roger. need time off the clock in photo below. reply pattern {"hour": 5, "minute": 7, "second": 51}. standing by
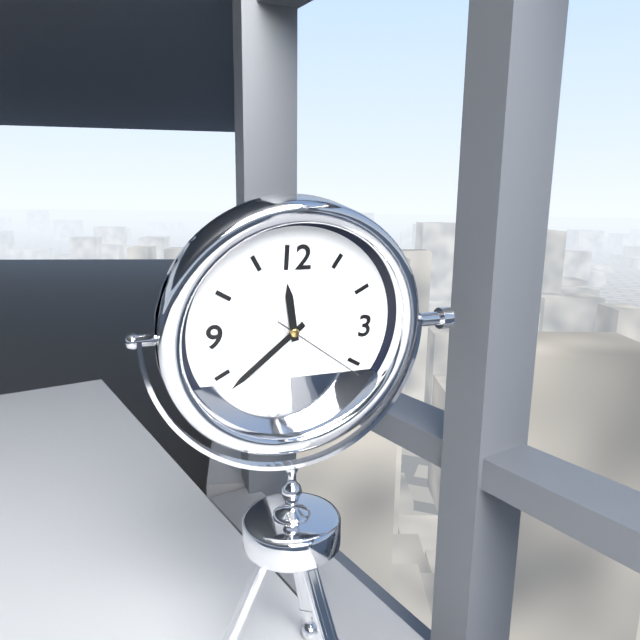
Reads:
{"hour": 11, "minute": 38, "second": 21}
